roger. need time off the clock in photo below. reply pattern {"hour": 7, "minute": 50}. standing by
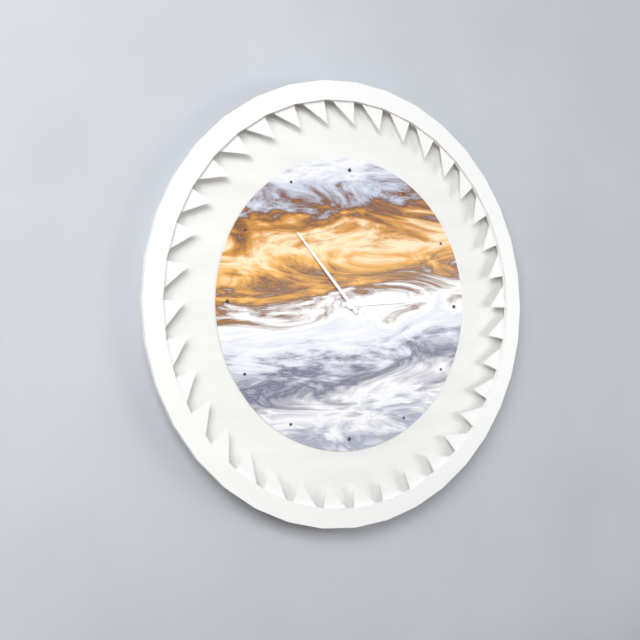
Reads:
{"hour": 2, "minute": 53}
